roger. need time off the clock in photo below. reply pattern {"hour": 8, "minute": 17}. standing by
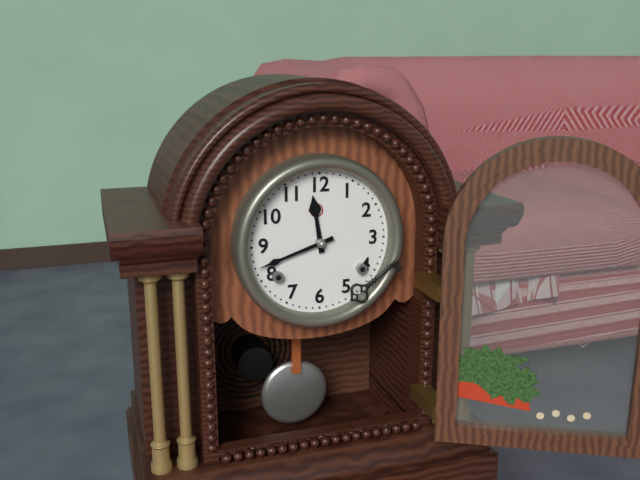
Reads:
{"hour": 11, "minute": 42}
